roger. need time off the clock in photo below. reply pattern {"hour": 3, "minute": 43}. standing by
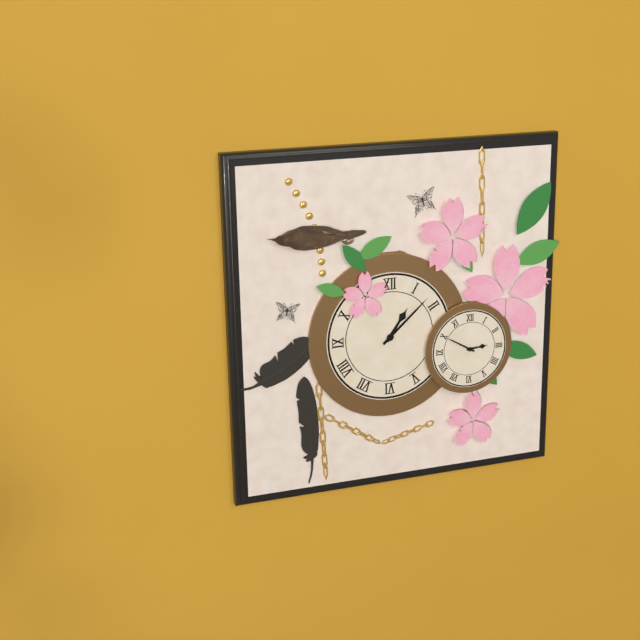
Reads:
{"hour": 1, "minute": 8}
